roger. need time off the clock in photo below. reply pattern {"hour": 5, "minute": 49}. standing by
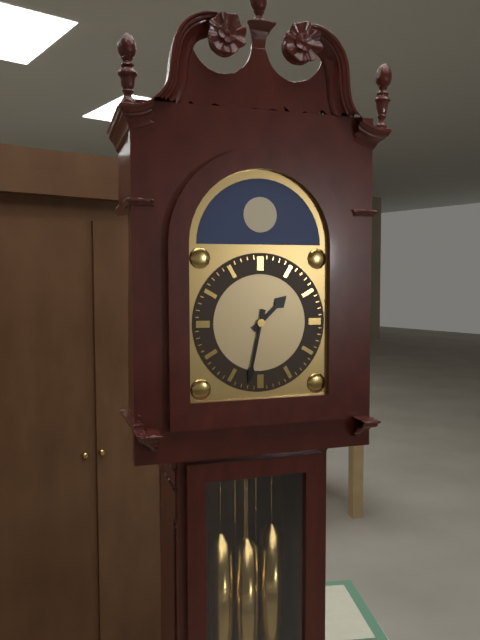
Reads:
{"hour": 1, "minute": 32}
